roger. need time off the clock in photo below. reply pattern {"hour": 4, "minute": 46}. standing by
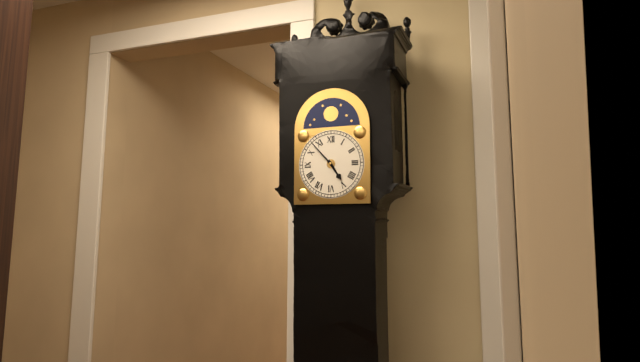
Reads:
{"hour": 4, "minute": 53}
